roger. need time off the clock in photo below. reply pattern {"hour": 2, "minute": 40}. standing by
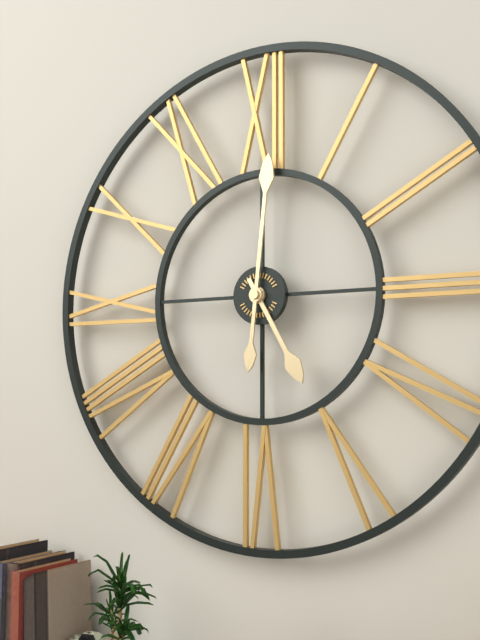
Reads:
{"hour": 5, "minute": 1}
